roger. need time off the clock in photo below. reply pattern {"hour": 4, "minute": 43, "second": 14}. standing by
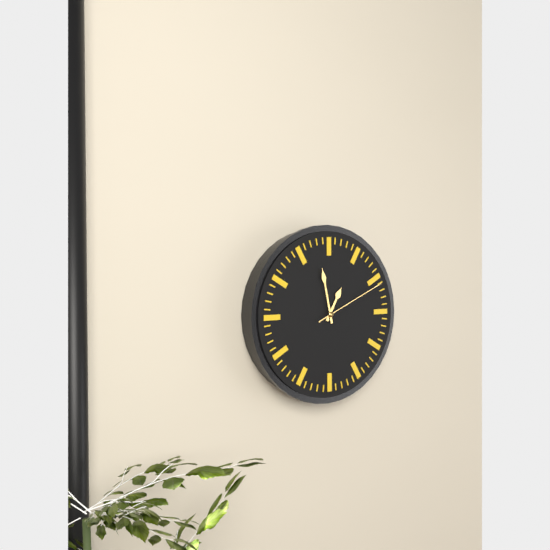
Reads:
{"hour": 12, "minute": 58, "second": 11}
